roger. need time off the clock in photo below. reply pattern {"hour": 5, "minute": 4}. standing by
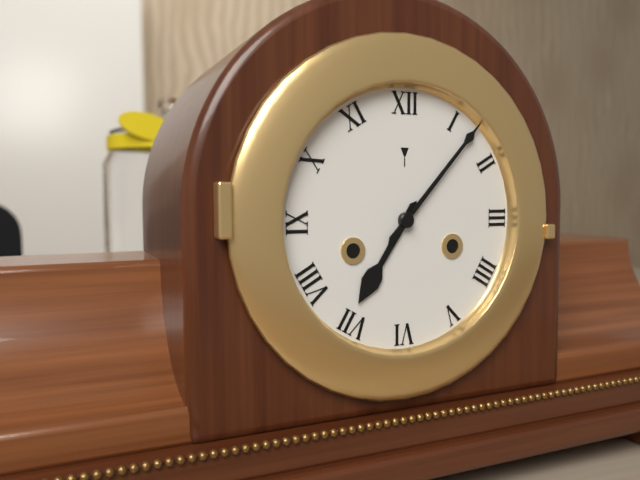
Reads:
{"hour": 7, "minute": 7}
